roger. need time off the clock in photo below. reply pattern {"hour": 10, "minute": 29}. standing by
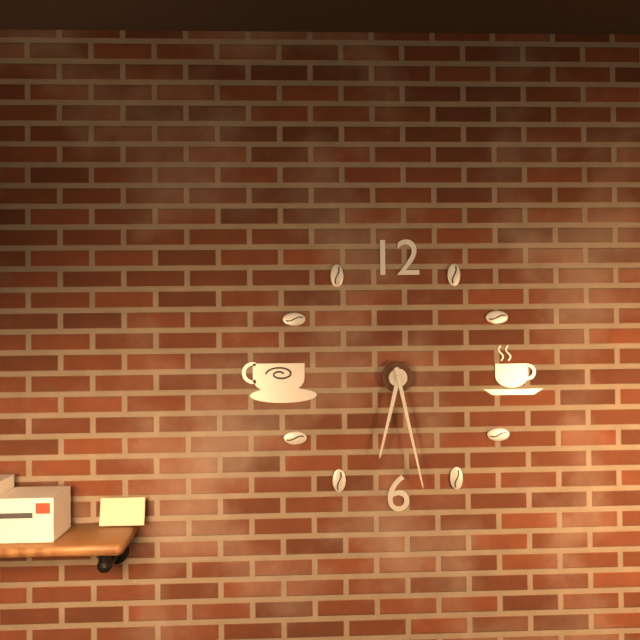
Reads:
{"hour": 6, "minute": 28}
